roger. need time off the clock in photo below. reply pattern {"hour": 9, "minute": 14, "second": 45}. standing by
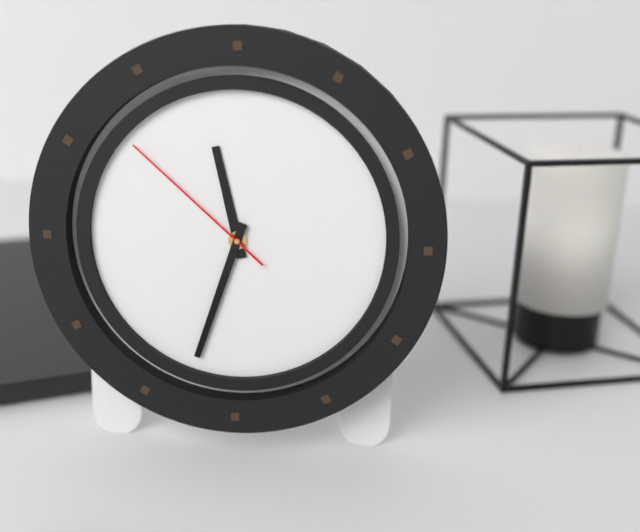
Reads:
{"hour": 11, "minute": 33, "second": 52}
